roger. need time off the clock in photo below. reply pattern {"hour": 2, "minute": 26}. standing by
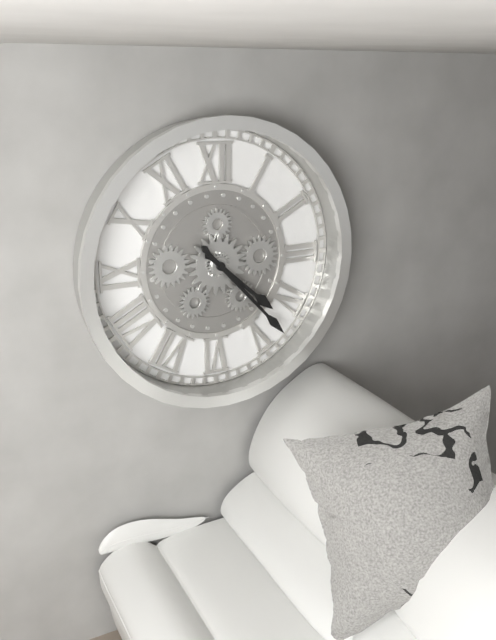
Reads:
{"hour": 4, "minute": 23}
